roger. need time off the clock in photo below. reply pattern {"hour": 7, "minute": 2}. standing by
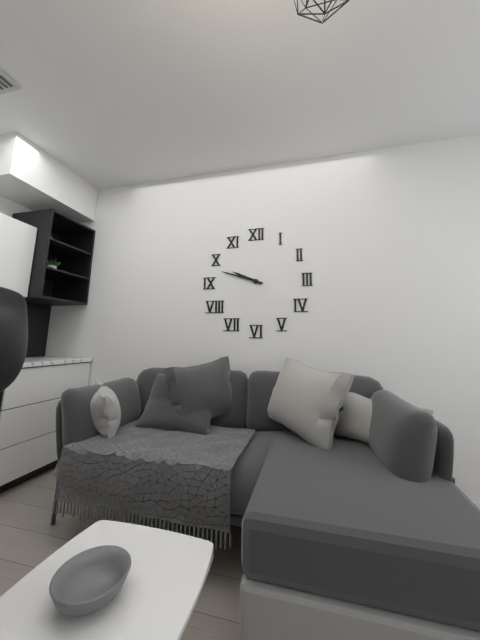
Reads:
{"hour": 9, "minute": 48}
